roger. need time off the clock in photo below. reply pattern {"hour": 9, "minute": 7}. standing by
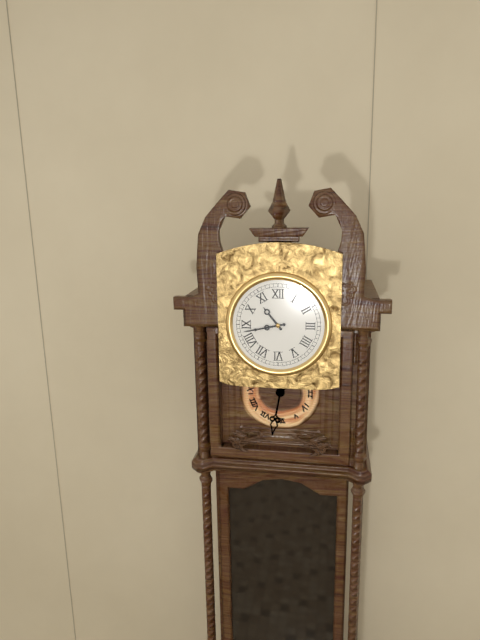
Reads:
{"hour": 10, "minute": 43}
